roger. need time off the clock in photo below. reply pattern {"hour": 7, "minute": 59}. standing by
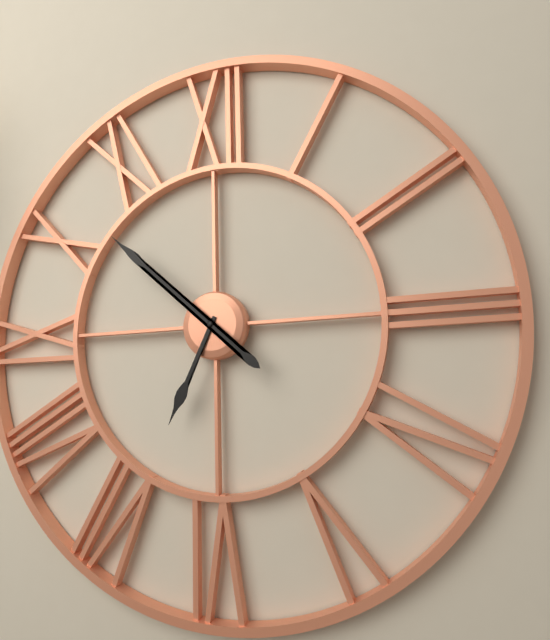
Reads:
{"hour": 6, "minute": 52}
